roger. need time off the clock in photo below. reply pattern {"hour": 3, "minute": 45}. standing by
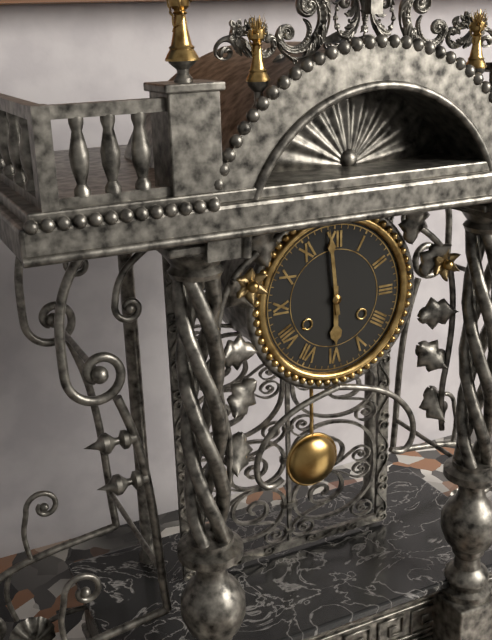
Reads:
{"hour": 5, "minute": 59}
